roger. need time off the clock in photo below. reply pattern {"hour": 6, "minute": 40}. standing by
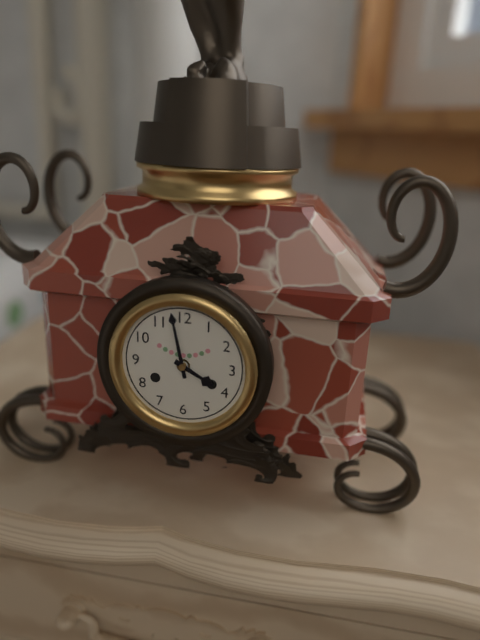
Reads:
{"hour": 3, "minute": 58}
